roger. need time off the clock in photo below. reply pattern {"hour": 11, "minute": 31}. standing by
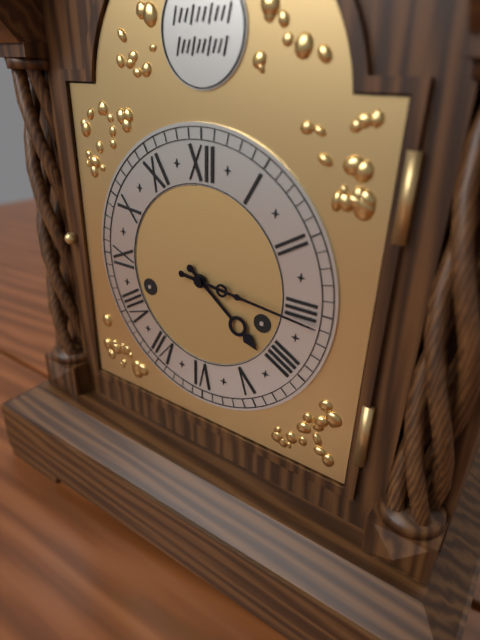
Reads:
{"hour": 4, "minute": 16}
